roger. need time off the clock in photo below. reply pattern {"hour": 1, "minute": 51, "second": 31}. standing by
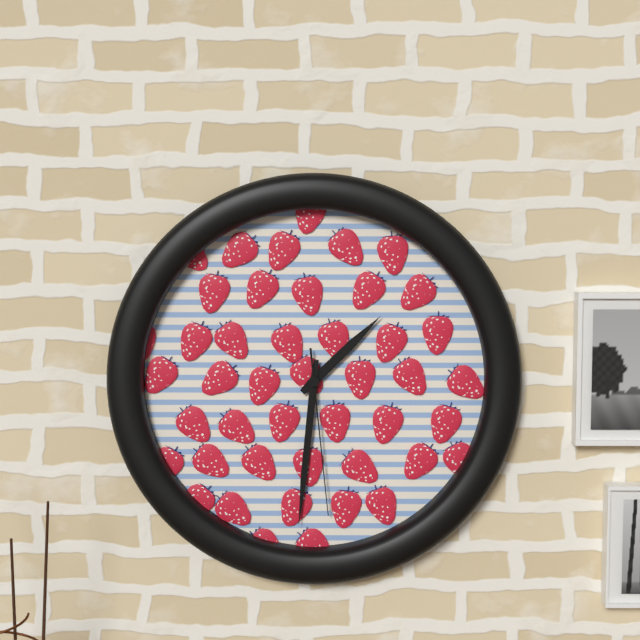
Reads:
{"hour": 1, "minute": 31, "second": 29}
